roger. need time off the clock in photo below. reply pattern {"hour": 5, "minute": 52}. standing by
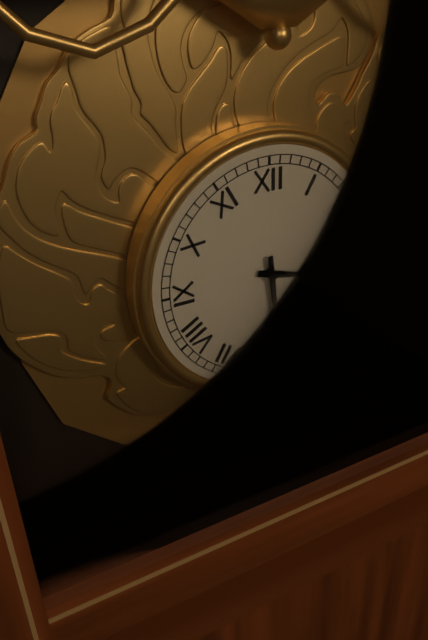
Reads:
{"hour": 3, "minute": 29}
